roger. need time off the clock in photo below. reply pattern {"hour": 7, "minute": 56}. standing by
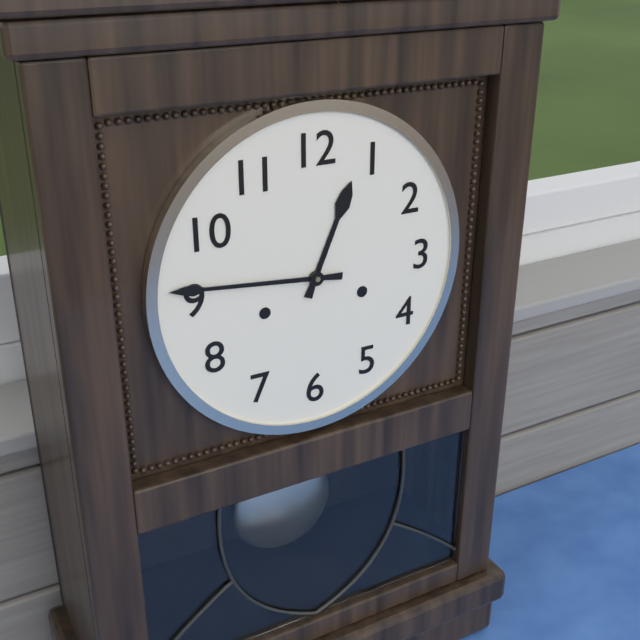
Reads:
{"hour": 12, "minute": 46}
